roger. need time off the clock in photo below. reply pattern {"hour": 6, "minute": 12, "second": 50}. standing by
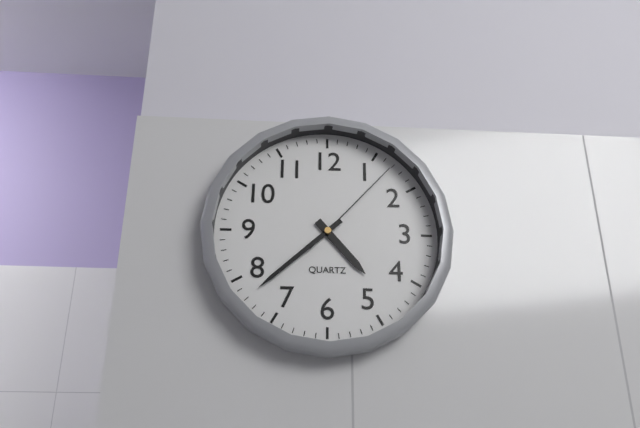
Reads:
{"hour": 4, "minute": 38, "second": 7}
